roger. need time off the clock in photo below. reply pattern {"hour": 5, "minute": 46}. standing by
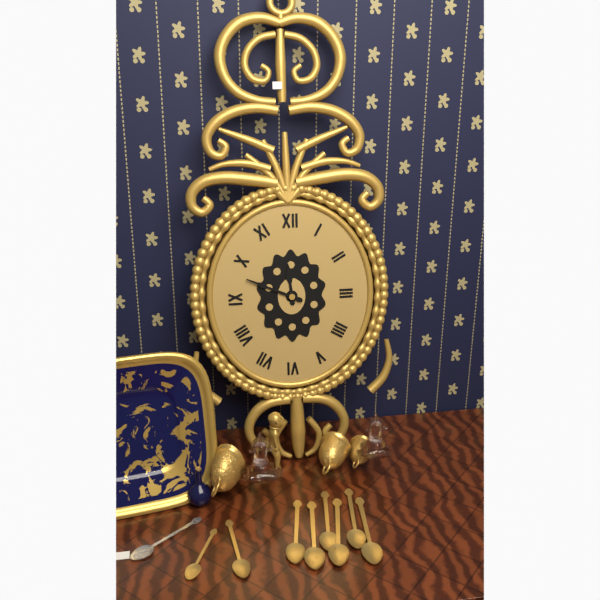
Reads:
{"hour": 11, "minute": 49}
